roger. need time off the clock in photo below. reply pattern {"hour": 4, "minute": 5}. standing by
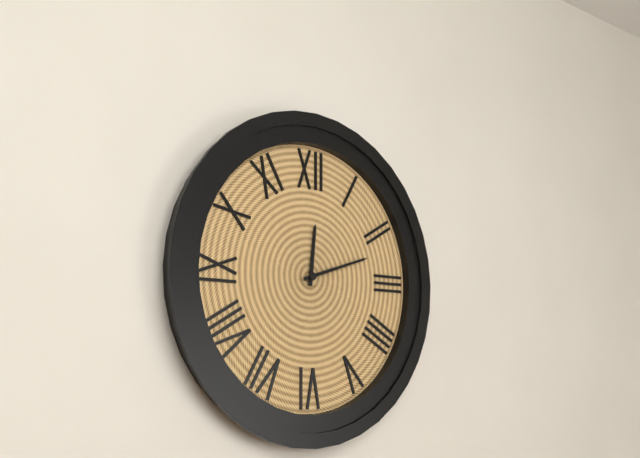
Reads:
{"hour": 12, "minute": 12}
